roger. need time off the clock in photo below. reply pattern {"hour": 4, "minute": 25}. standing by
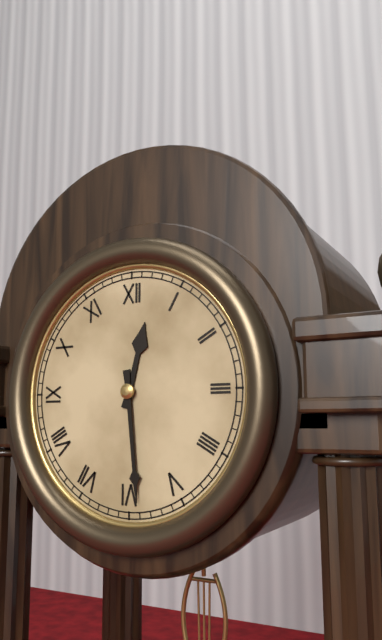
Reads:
{"hour": 12, "minute": 29}
